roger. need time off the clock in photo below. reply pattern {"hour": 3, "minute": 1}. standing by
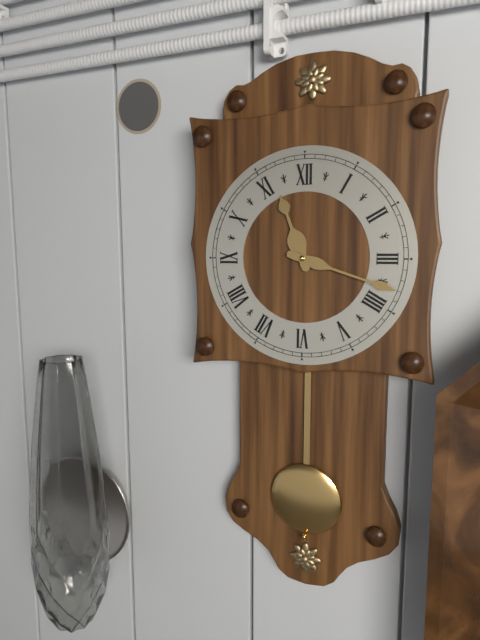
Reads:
{"hour": 11, "minute": 18}
